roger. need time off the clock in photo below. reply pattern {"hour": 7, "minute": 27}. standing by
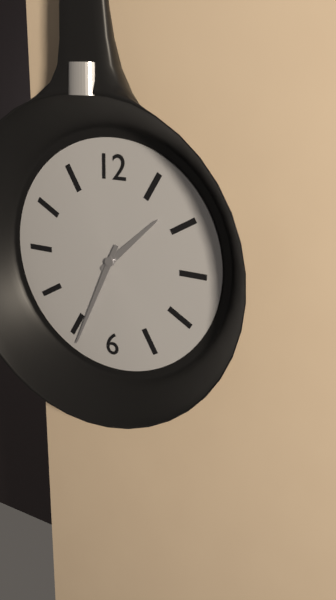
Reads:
{"hour": 1, "minute": 34}
